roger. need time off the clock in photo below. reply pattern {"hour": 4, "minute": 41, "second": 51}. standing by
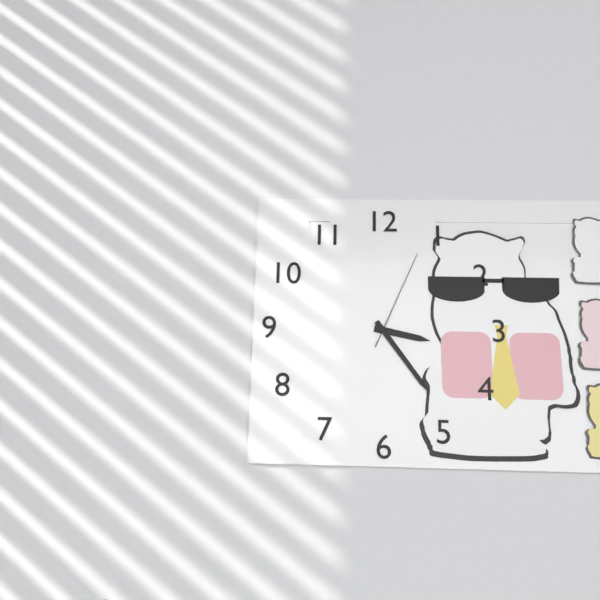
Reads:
{"hour": 3, "minute": 24, "second": 4}
